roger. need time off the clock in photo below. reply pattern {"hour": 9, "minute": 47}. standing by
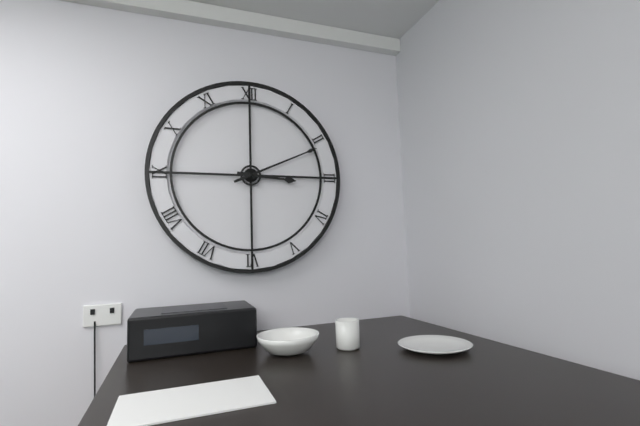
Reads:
{"hour": 3, "minute": 11}
